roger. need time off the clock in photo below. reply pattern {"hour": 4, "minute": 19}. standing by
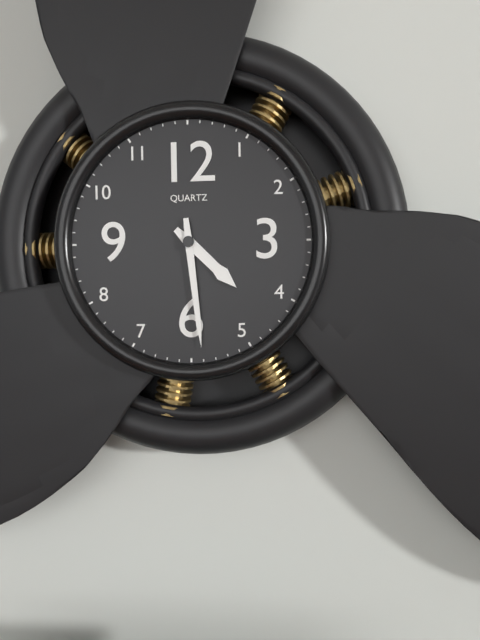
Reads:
{"hour": 4, "minute": 29}
